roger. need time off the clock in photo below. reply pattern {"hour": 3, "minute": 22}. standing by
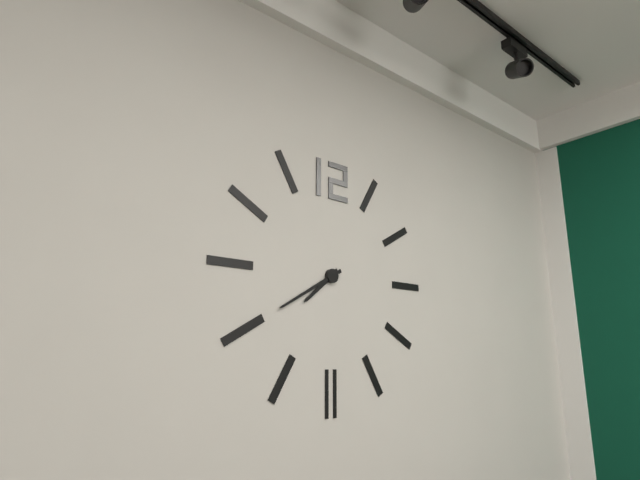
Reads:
{"hour": 7, "minute": 40}
